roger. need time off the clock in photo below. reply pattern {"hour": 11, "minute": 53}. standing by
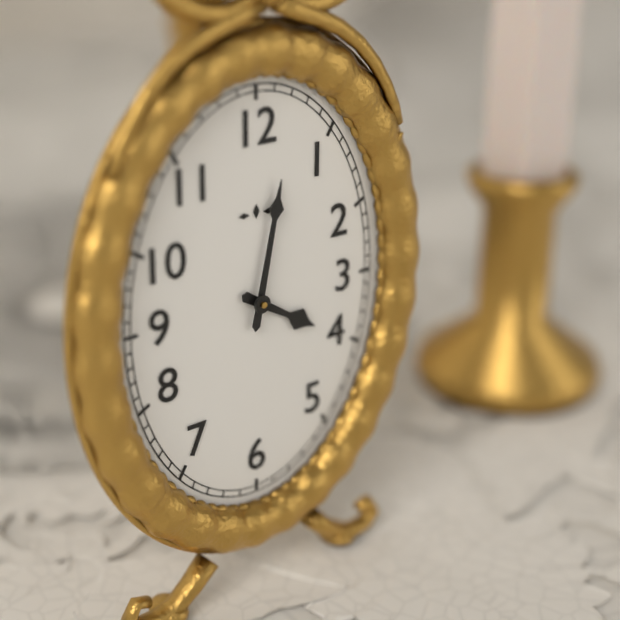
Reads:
{"hour": 4, "minute": 2}
